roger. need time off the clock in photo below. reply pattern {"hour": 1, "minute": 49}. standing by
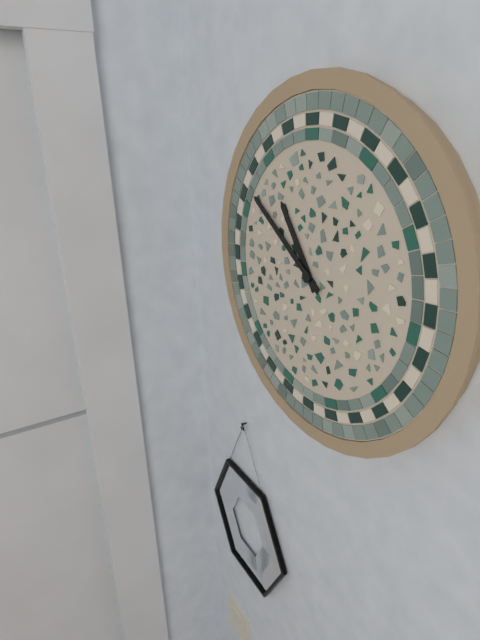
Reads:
{"hour": 10, "minute": 51}
